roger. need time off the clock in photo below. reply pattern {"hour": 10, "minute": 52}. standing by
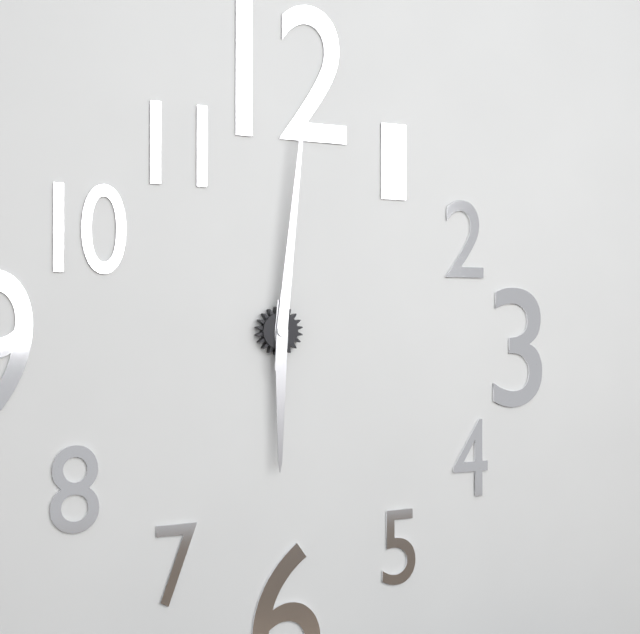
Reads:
{"hour": 6, "minute": 1}
